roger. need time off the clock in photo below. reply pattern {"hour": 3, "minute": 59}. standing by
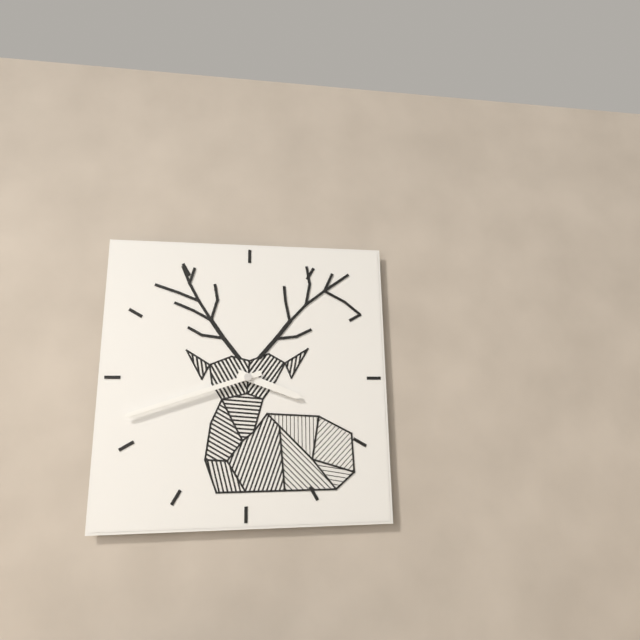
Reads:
{"hour": 3, "minute": 42}
